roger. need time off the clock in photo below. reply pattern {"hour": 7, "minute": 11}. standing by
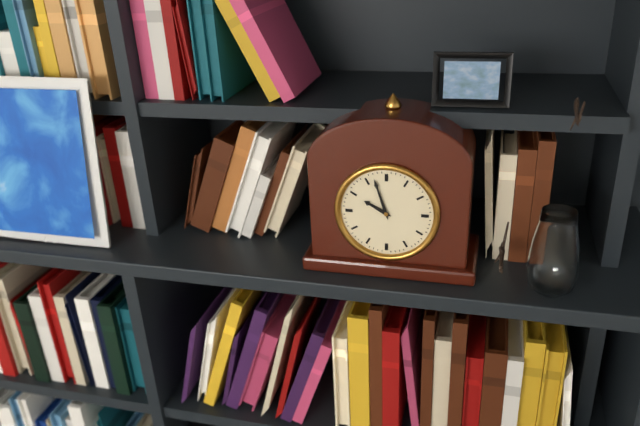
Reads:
{"hour": 9, "minute": 57}
